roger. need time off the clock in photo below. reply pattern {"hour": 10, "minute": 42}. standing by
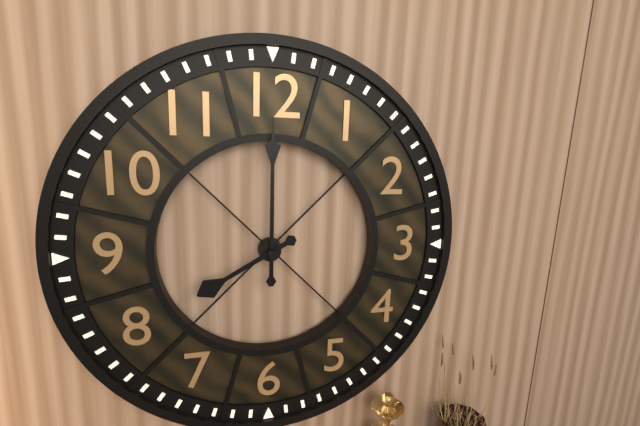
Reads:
{"hour": 8, "minute": 0}
